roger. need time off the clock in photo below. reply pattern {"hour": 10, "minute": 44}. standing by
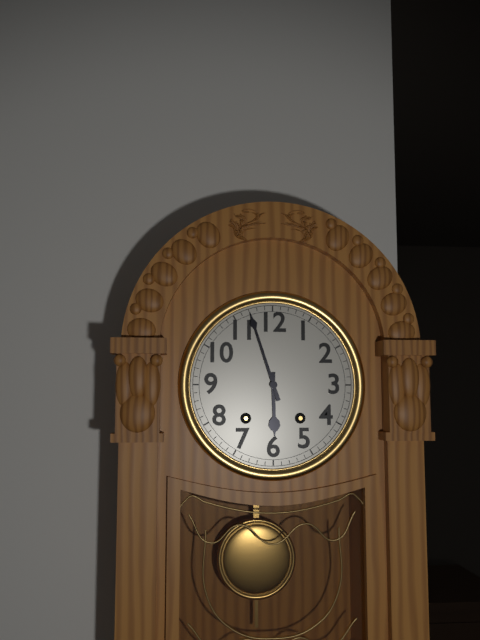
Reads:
{"hour": 5, "minute": 57}
